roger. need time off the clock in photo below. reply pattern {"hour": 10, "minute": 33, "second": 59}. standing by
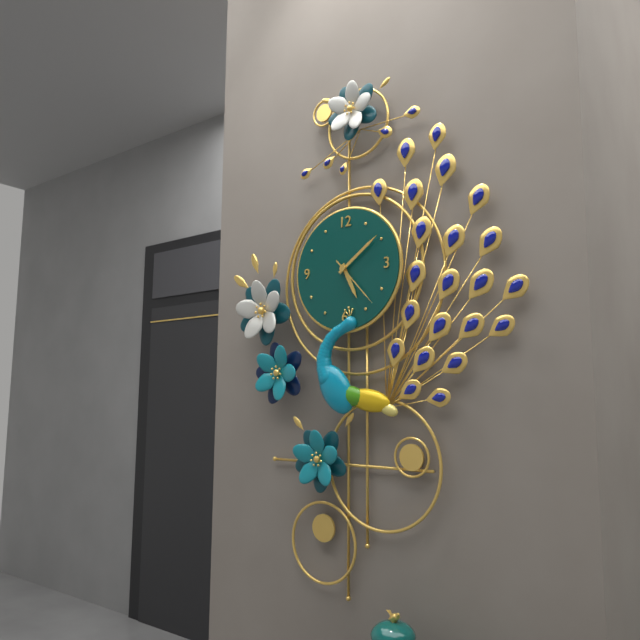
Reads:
{"hour": 5, "minute": 9, "second": 23}
